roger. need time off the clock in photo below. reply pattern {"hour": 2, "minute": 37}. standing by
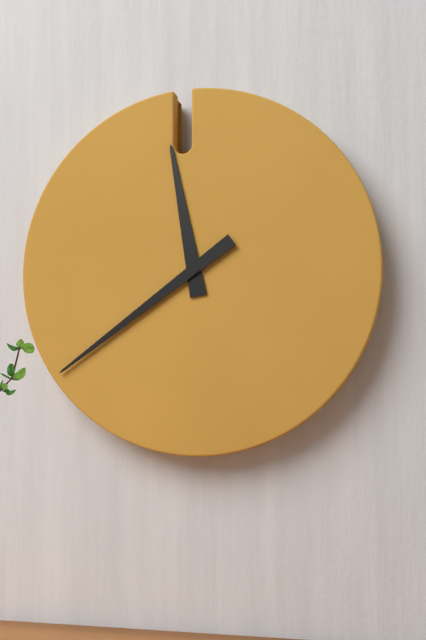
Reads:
{"hour": 11, "minute": 39}
